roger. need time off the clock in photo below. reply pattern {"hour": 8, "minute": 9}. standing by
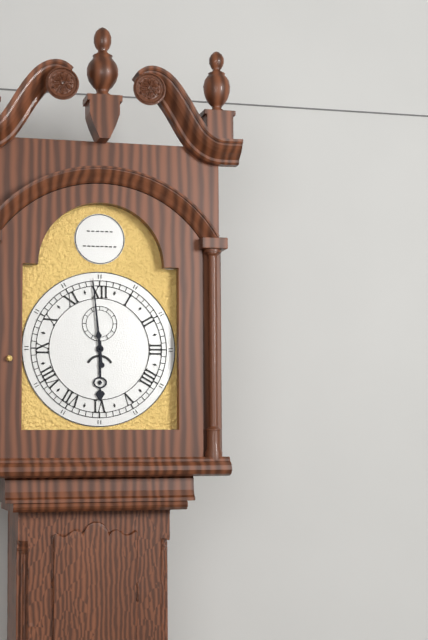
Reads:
{"hour": 5, "minute": 59}
